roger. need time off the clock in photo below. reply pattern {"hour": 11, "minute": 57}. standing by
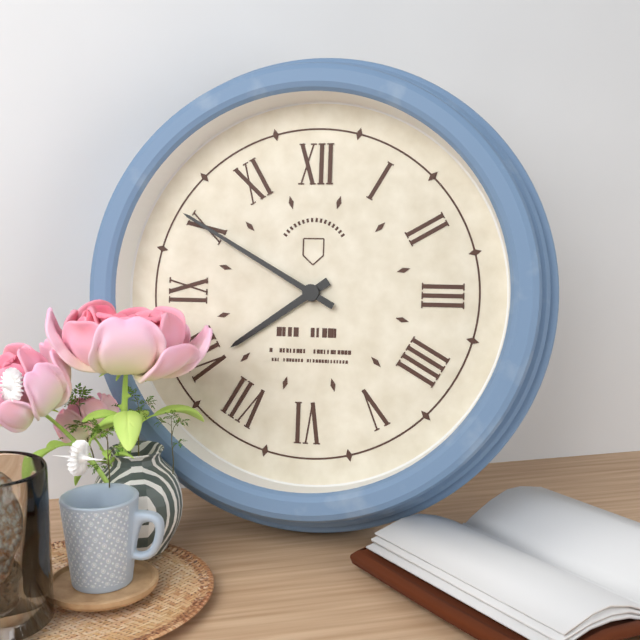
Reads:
{"hour": 7, "minute": 50}
